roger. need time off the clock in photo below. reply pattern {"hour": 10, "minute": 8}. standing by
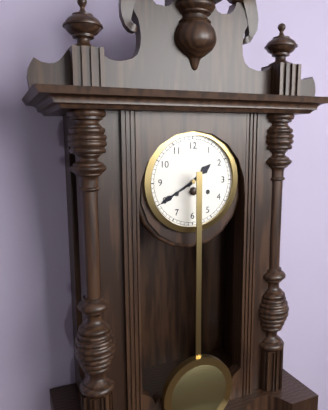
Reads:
{"hour": 1, "minute": 40}
